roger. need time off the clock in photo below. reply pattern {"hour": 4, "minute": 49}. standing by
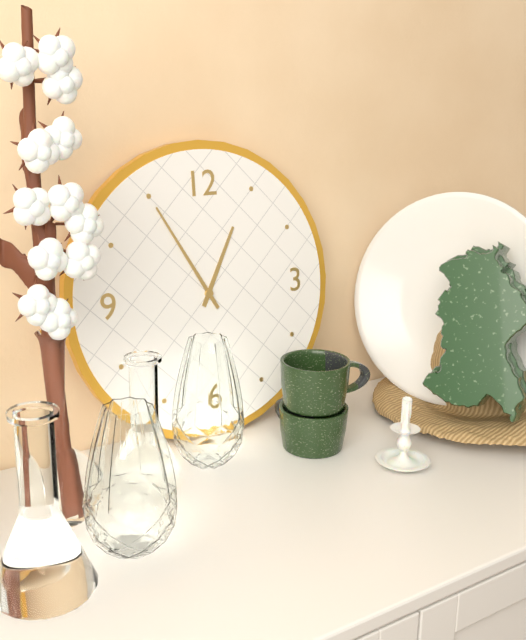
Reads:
{"hour": 12, "minute": 55}
